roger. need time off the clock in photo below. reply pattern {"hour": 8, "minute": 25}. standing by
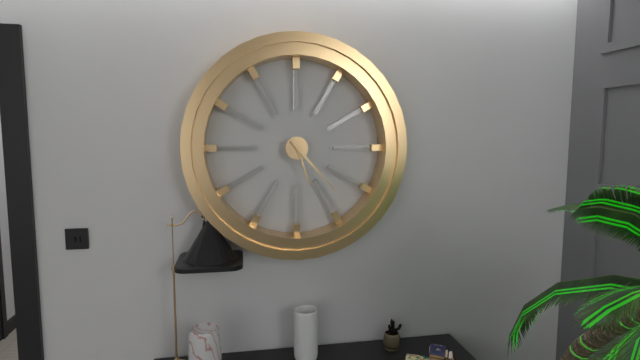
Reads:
{"hour": 5, "minute": 23}
